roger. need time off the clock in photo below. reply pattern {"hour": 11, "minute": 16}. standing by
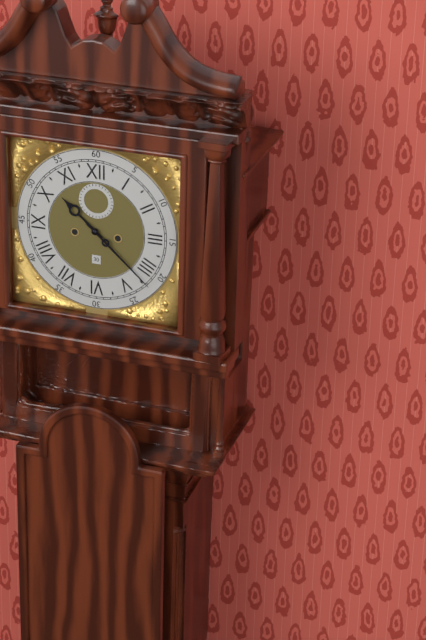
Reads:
{"hour": 10, "minute": 22}
